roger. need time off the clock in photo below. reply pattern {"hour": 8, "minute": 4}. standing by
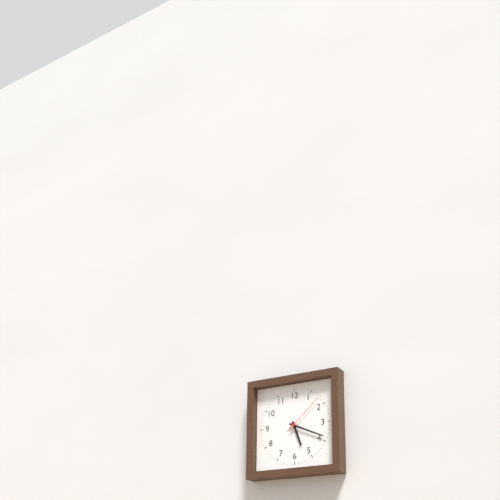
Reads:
{"hour": 5, "minute": 19}
